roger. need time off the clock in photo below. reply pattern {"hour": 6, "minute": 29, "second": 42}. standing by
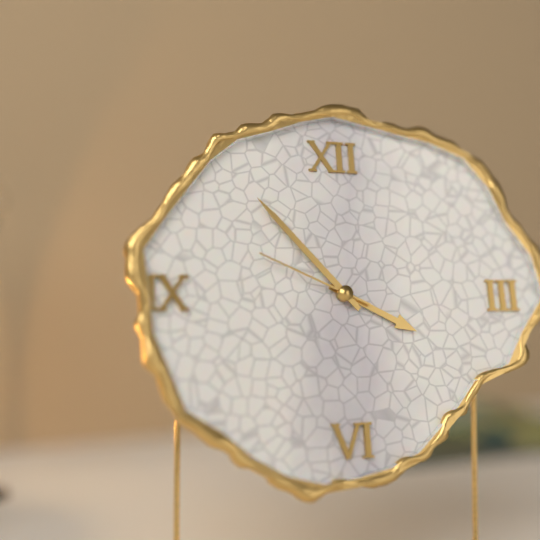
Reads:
{"hour": 3, "minute": 53, "second": 49}
